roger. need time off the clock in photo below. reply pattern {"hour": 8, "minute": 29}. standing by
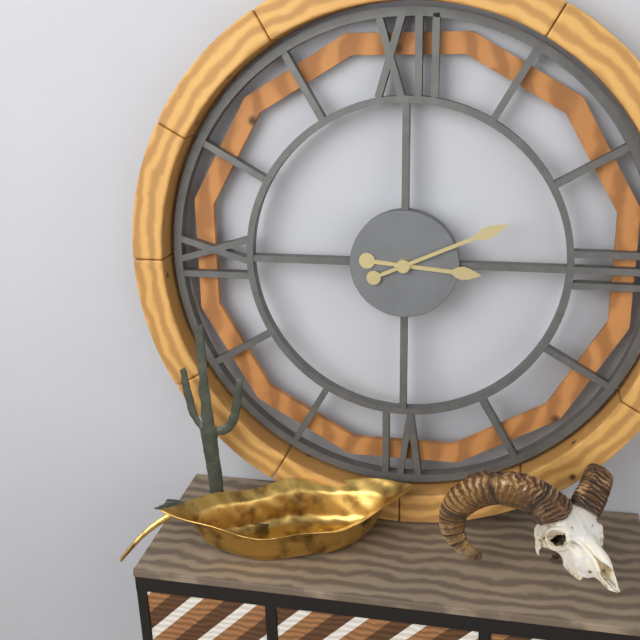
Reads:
{"hour": 3, "minute": 11}
